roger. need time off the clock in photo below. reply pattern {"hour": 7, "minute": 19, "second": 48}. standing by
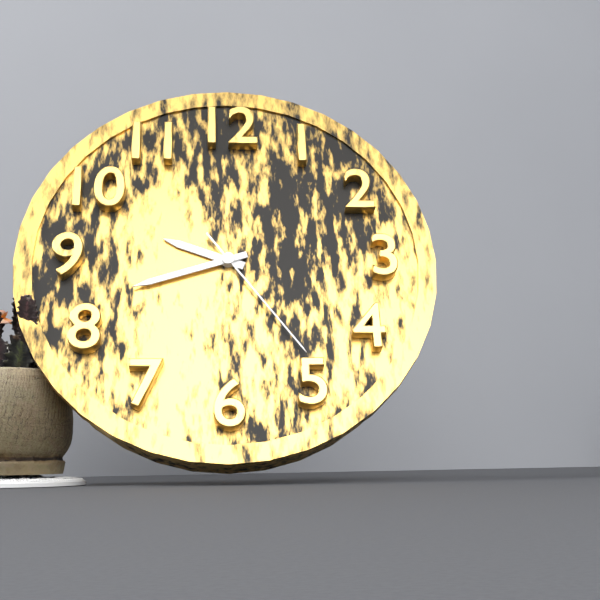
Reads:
{"hour": 9, "minute": 42, "second": 24}
